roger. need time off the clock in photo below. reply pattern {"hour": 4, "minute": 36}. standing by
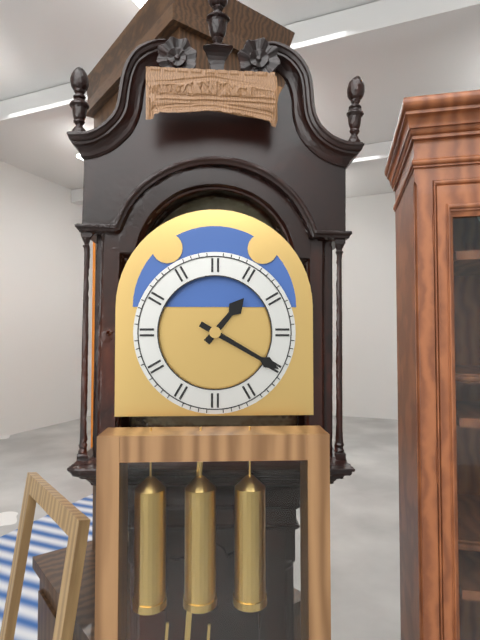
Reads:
{"hour": 1, "minute": 20}
